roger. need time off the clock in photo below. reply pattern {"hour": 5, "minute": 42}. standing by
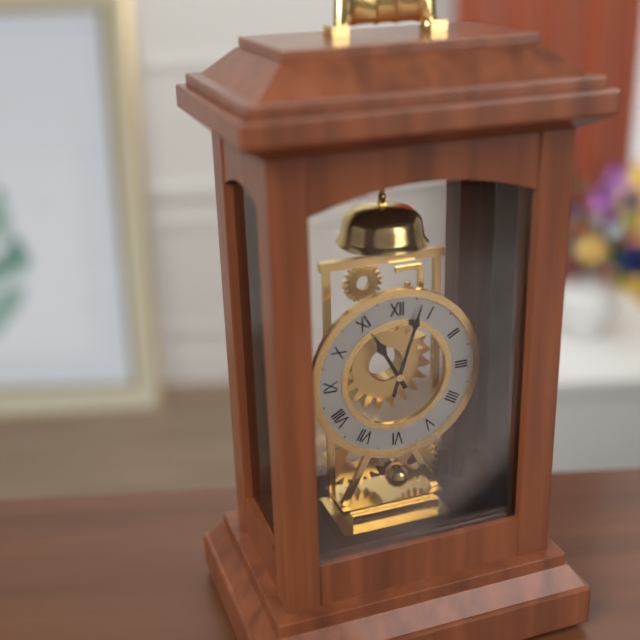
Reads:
{"hour": 11, "minute": 3}
